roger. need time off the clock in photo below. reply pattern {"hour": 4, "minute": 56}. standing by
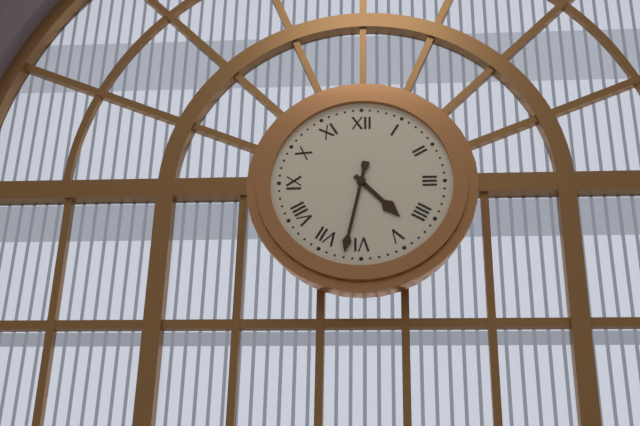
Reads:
{"hour": 4, "minute": 32}
